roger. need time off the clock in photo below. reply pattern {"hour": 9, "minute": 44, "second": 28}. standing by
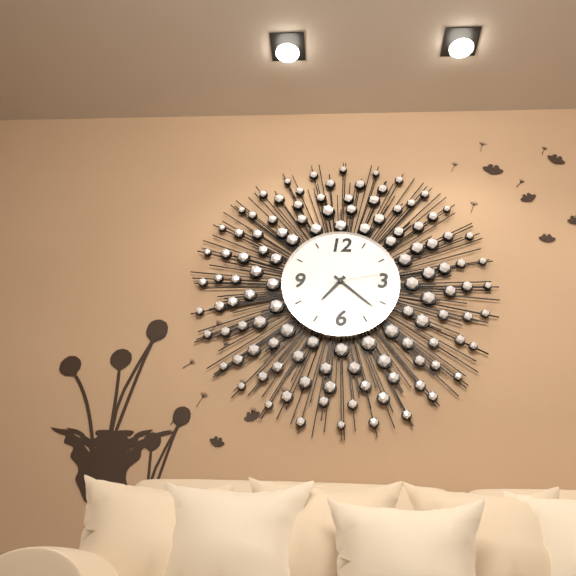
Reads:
{"hour": 7, "minute": 22, "second": 13}
